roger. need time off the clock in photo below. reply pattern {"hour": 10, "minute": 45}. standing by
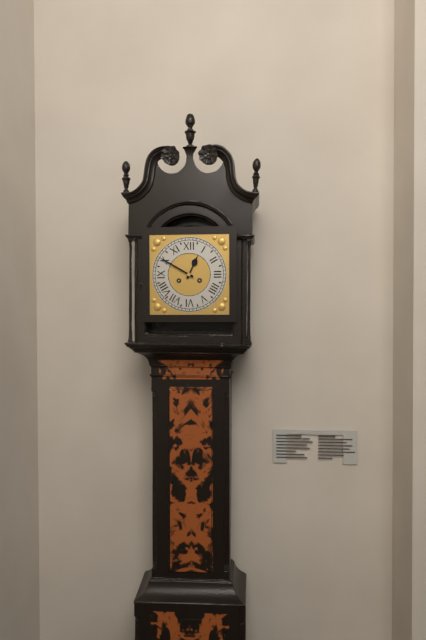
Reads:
{"hour": 12, "minute": 50}
